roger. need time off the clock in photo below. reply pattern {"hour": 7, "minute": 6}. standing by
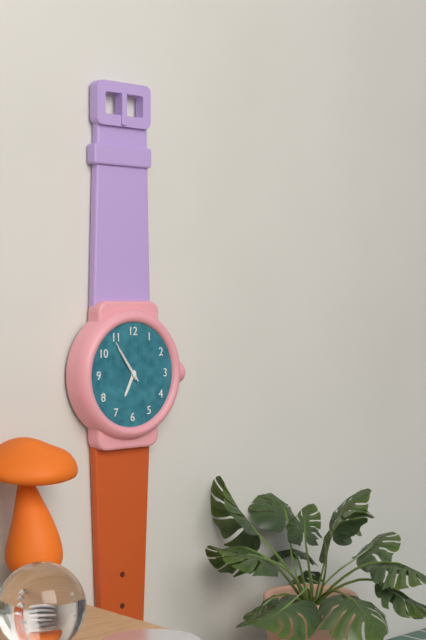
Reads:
{"hour": 6, "minute": 54}
